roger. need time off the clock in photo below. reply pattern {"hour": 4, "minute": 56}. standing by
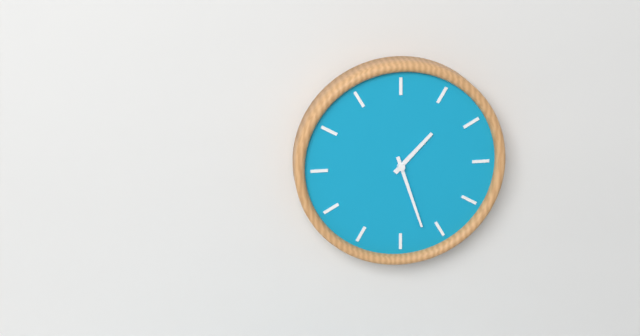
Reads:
{"hour": 1, "minute": 27}
